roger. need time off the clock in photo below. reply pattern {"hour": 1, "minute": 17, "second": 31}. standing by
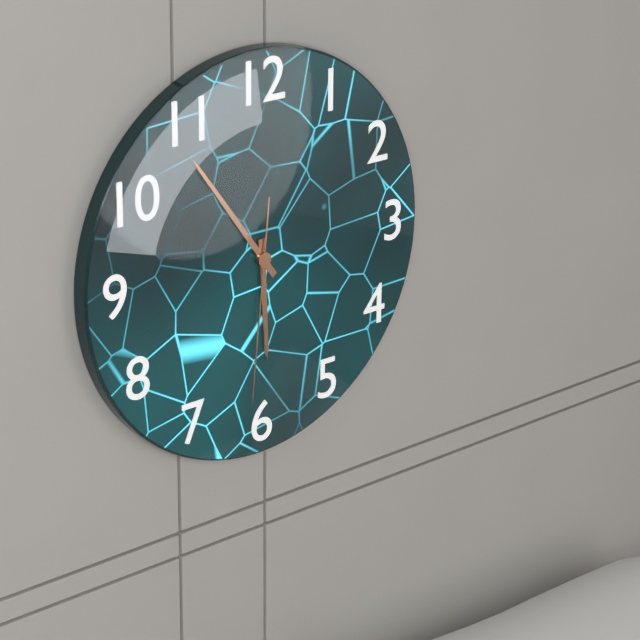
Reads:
{"hour": 5, "minute": 54, "second": 31}
